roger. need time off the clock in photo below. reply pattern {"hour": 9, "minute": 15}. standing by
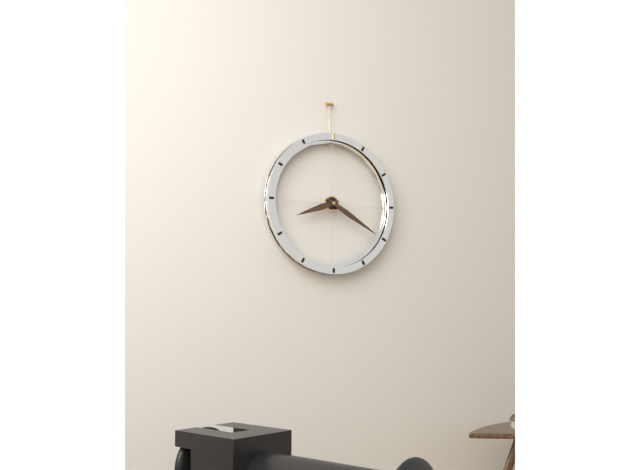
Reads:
{"hour": 8, "minute": 20}
